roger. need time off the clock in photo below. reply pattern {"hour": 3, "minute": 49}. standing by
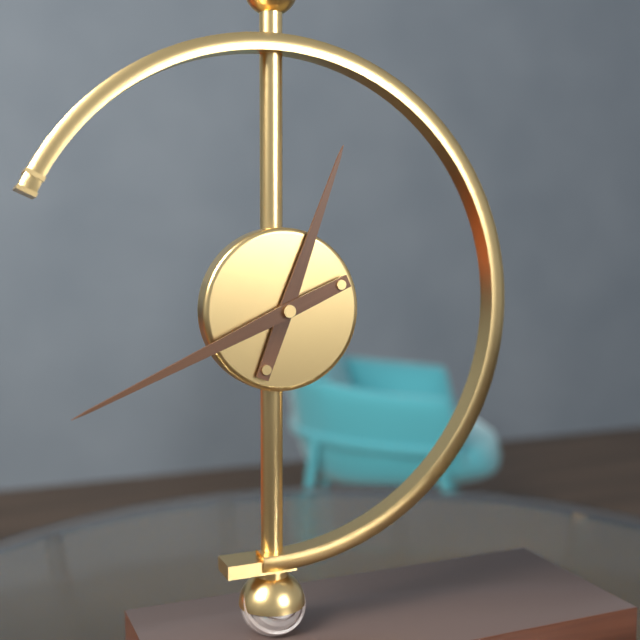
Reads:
{"hour": 12, "minute": 41}
